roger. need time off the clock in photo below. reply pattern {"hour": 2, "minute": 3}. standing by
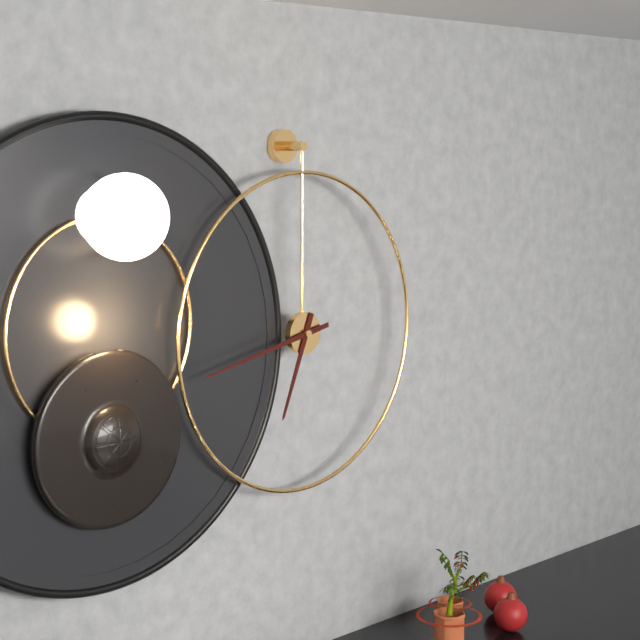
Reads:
{"hour": 6, "minute": 43}
